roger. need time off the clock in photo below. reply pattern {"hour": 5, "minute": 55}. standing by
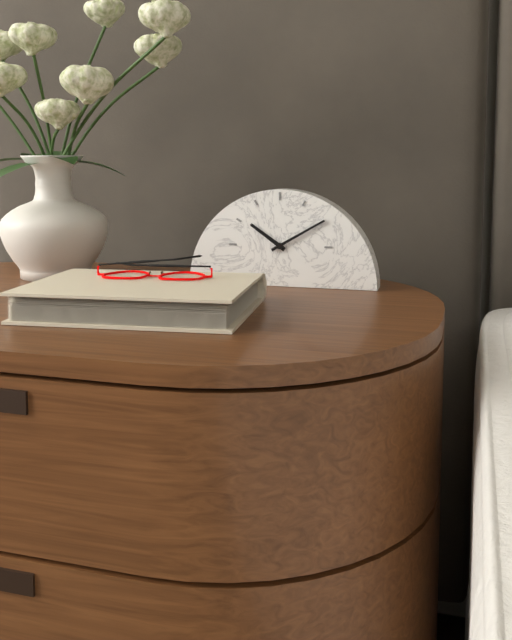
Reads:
{"hour": 10, "minute": 10}
